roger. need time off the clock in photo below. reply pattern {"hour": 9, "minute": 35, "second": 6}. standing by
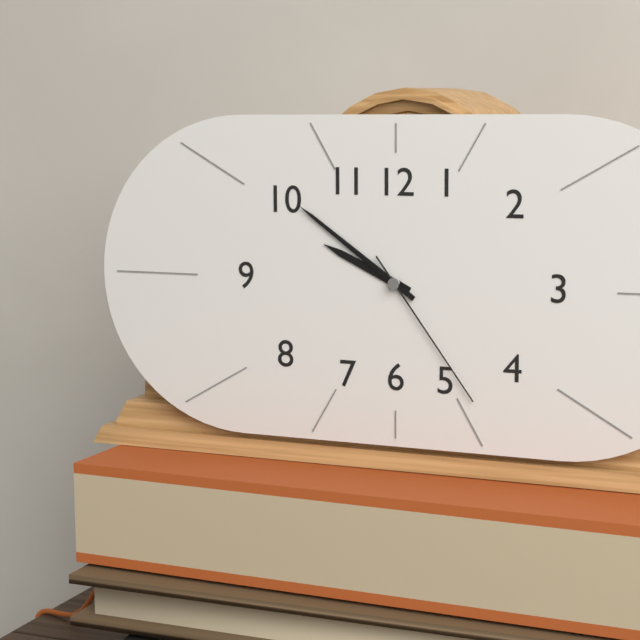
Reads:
{"hour": 9, "minute": 51, "second": 24}
